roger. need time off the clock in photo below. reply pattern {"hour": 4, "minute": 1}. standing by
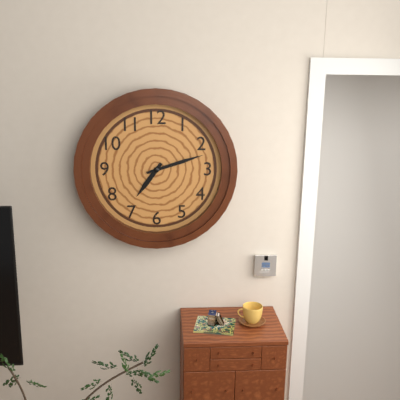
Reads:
{"hour": 7, "minute": 12}
